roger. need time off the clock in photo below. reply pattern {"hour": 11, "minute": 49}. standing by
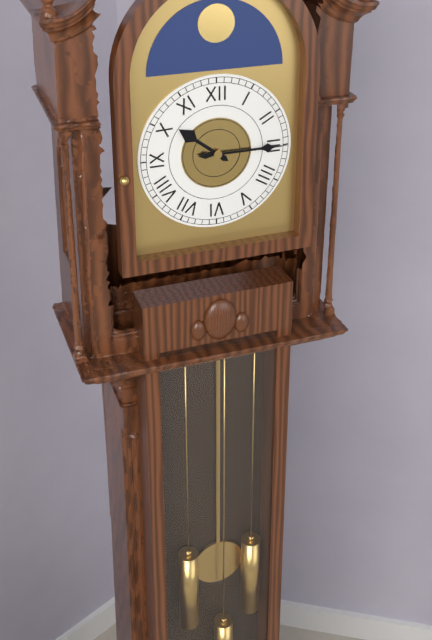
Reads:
{"hour": 10, "minute": 15}
